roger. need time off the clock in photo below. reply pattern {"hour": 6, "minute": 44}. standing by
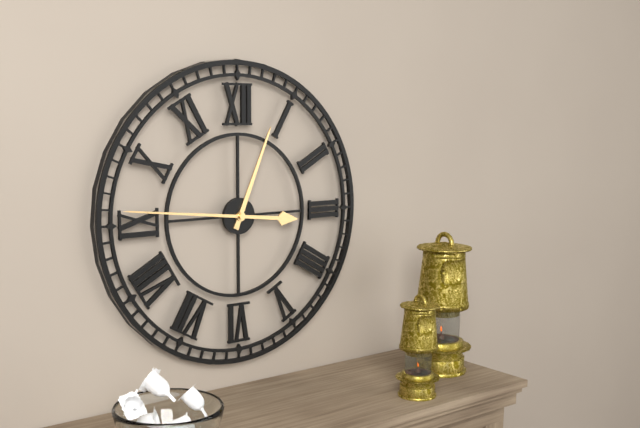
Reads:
{"hour": 12, "minute": 46}
